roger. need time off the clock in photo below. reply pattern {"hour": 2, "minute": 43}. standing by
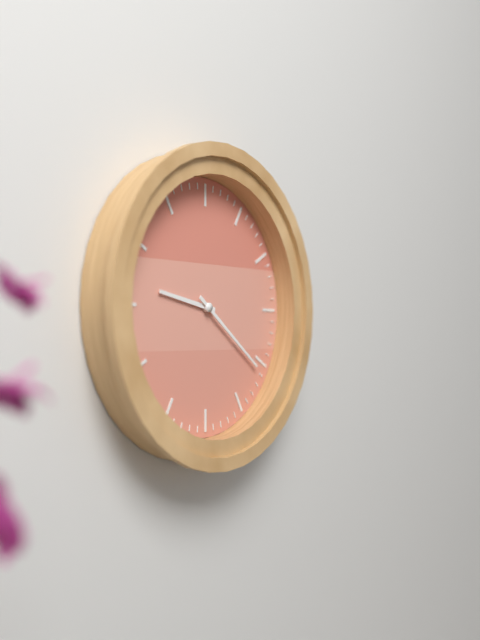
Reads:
{"hour": 9, "minute": 21}
